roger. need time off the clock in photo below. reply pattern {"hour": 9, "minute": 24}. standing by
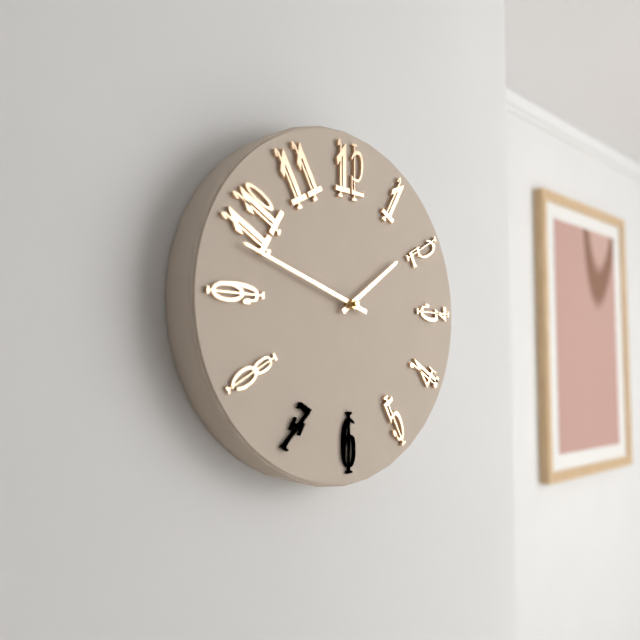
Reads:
{"hour": 1, "minute": 48}
